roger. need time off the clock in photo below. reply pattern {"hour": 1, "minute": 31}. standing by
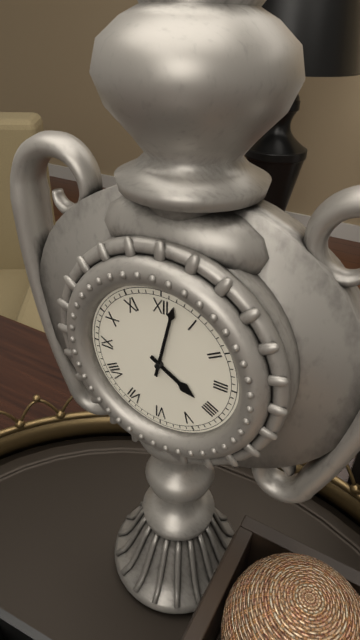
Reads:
{"hour": 4, "minute": 2}
